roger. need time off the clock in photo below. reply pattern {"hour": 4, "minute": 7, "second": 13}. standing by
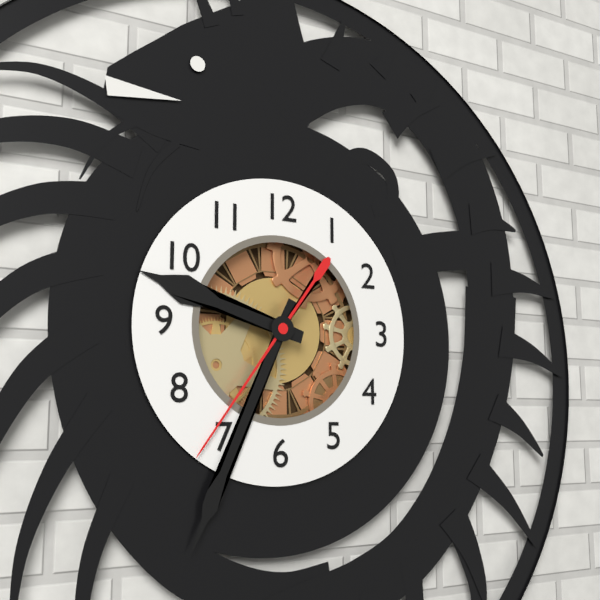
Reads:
{"hour": 9, "minute": 34, "second": 36}
